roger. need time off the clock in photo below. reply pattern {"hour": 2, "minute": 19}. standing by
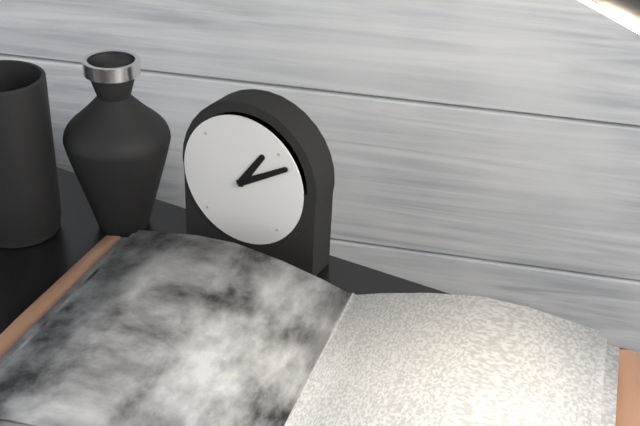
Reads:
{"hour": 1, "minute": 10}
